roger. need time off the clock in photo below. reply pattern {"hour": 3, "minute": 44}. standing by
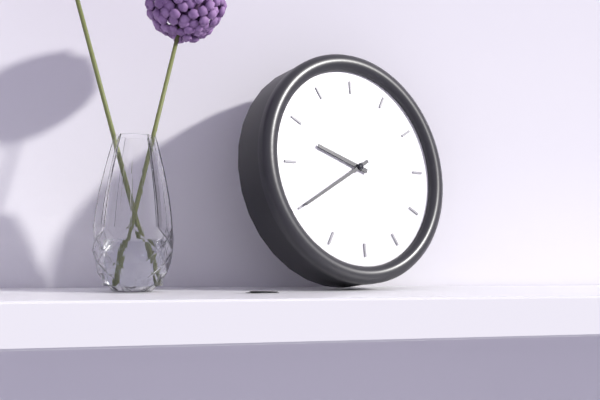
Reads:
{"hour": 9, "minute": 40}
